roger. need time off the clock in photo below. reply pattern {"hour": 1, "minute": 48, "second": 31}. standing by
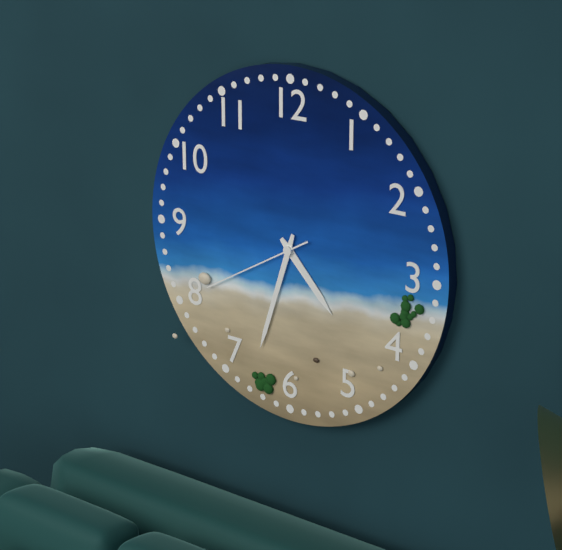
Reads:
{"hour": 4, "minute": 33, "second": 40}
